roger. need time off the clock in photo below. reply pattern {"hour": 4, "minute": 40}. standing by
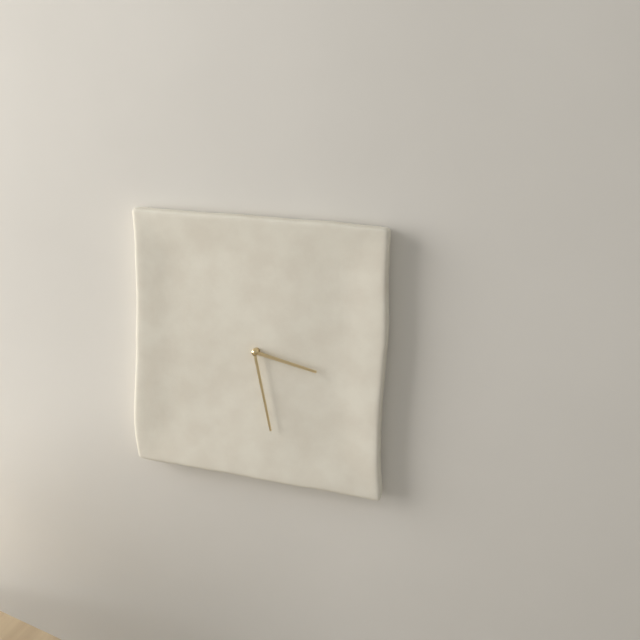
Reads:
{"hour": 3, "minute": 28}
